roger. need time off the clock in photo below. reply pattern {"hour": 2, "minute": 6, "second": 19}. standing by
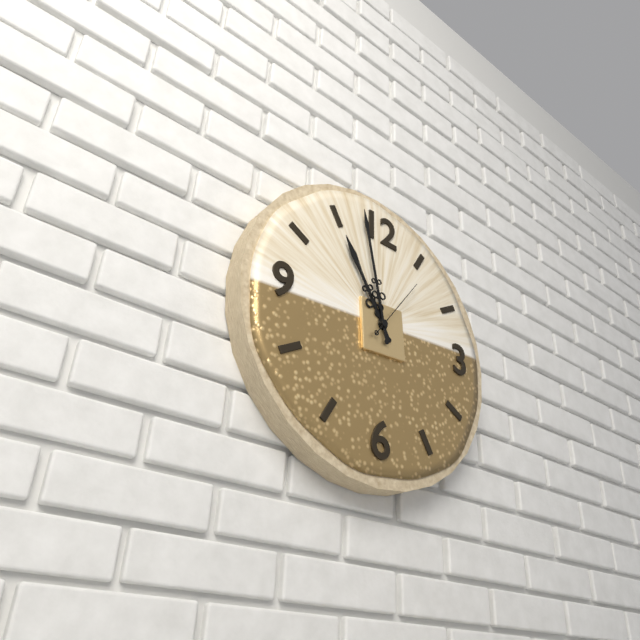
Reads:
{"hour": 10, "minute": 58, "second": 6}
